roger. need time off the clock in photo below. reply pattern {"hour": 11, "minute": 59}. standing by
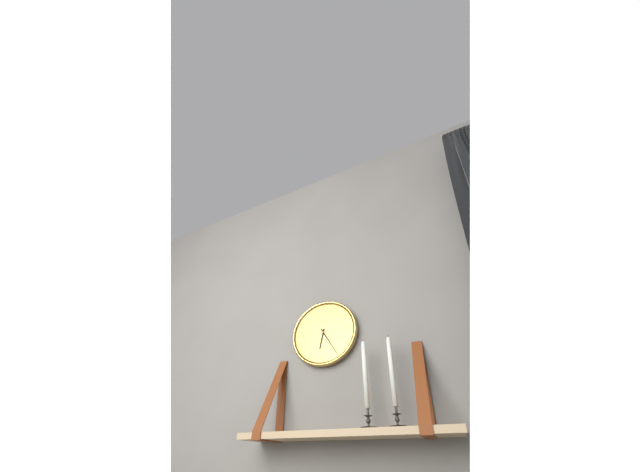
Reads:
{"hour": 6, "minute": 25}
